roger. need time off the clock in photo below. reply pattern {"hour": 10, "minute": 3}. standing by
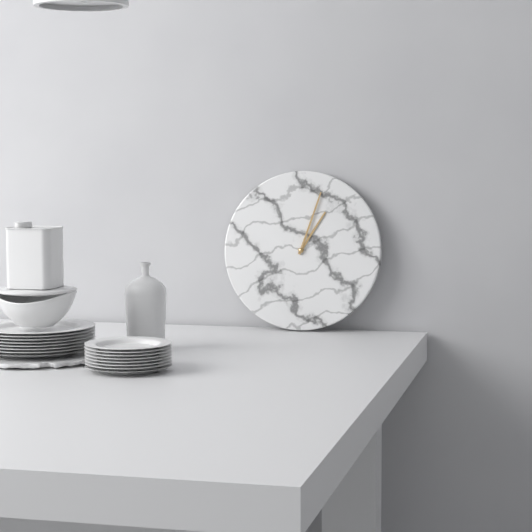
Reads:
{"hour": 1, "minute": 3}
